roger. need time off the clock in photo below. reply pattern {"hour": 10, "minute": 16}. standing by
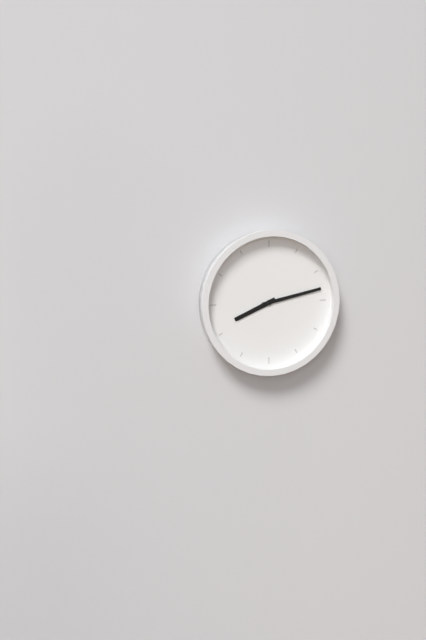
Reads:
{"hour": 8, "minute": 13}
